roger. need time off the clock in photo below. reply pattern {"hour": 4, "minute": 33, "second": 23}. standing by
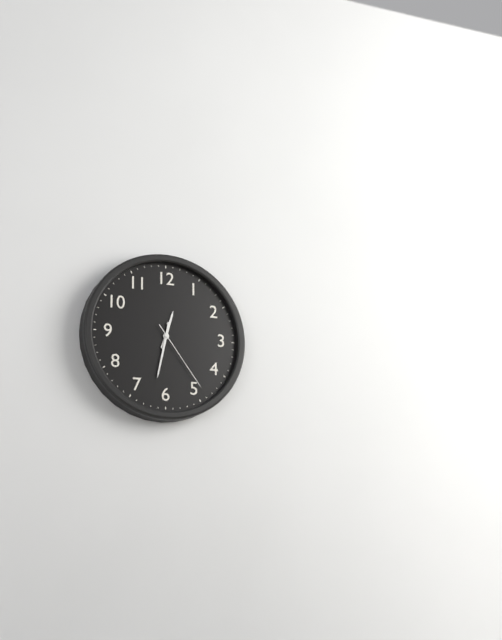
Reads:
{"hour": 12, "minute": 32, "second": 24}
